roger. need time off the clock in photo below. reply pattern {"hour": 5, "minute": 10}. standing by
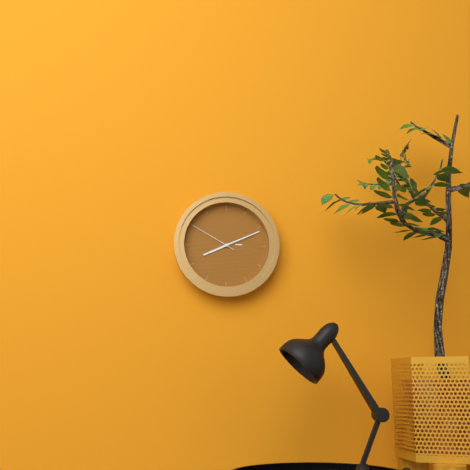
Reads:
{"hour": 8, "minute": 11}
